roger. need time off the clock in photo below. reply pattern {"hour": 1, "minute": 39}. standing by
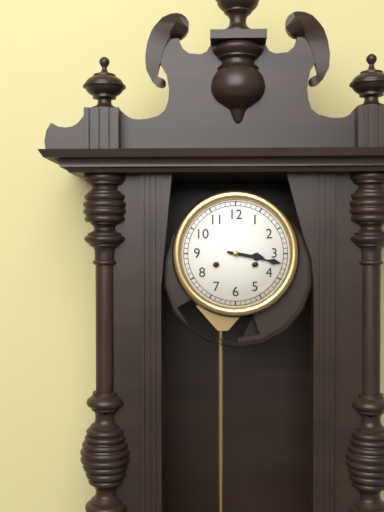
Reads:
{"hour": 3, "minute": 17}
